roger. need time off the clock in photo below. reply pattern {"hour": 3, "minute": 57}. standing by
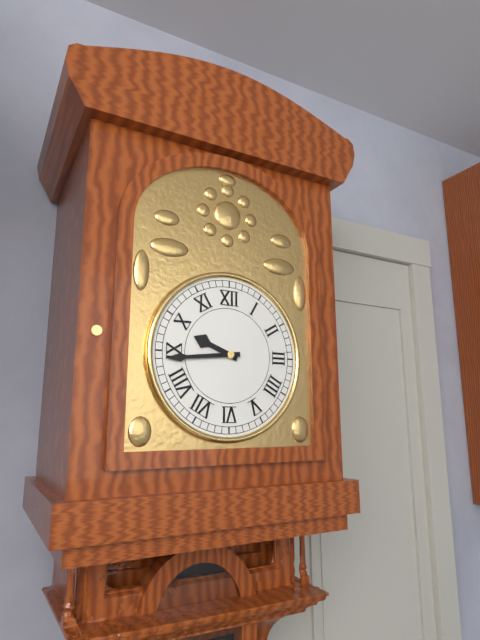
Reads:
{"hour": 9, "minute": 44}
